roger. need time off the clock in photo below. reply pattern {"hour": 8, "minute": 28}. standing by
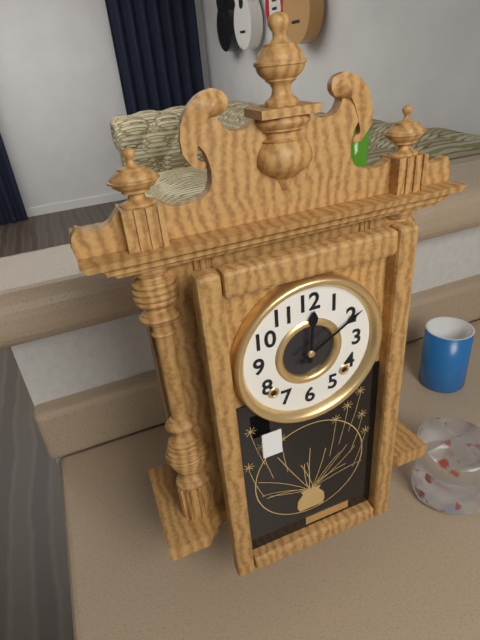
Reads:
{"hour": 12, "minute": 10}
